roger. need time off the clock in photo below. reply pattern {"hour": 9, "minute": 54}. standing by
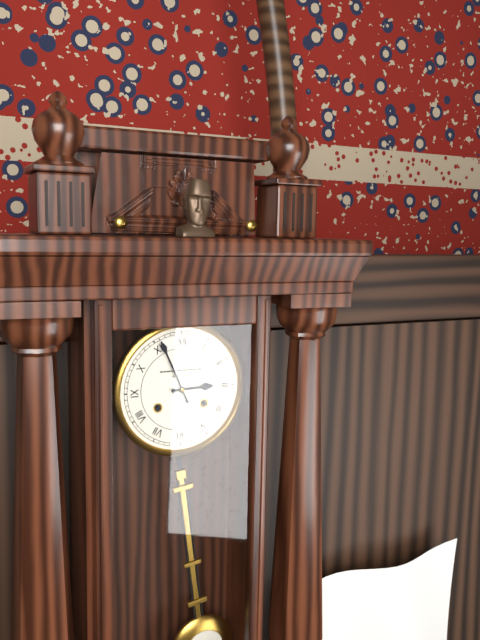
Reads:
{"hour": 2, "minute": 56}
